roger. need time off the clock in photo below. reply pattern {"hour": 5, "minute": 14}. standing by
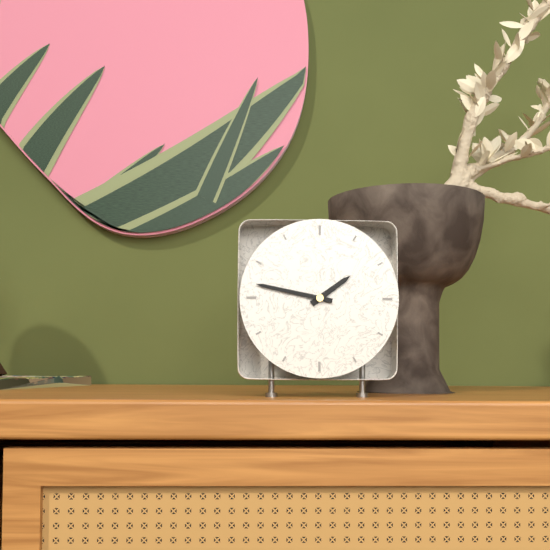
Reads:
{"hour": 1, "minute": 47}
